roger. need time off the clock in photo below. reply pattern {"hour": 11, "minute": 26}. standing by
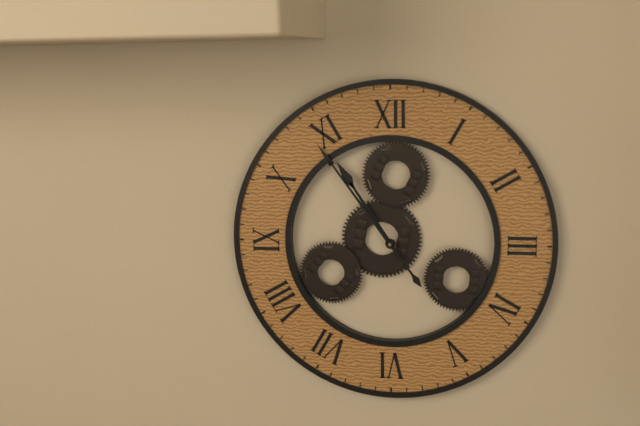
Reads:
{"hour": 10, "minute": 54}
